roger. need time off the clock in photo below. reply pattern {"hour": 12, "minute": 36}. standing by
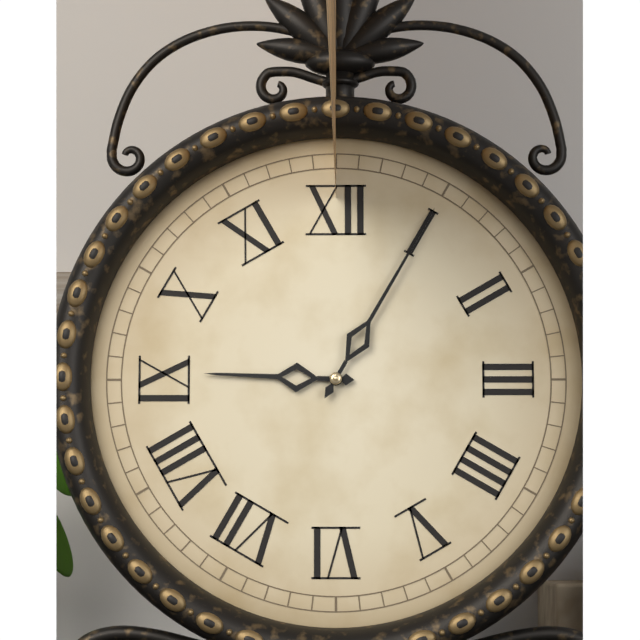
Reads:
{"hour": 9, "minute": 5}
